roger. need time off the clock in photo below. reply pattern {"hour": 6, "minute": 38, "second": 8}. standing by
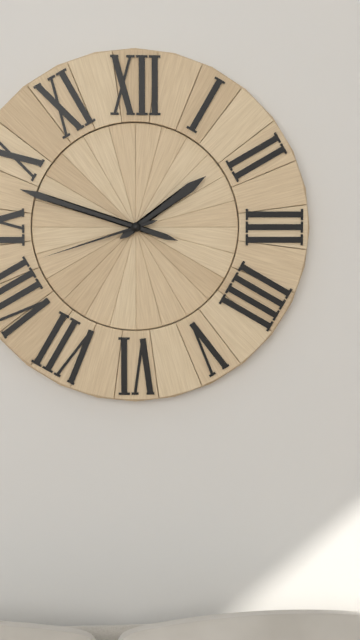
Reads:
{"hour": 1, "minute": 48, "second": 42}
